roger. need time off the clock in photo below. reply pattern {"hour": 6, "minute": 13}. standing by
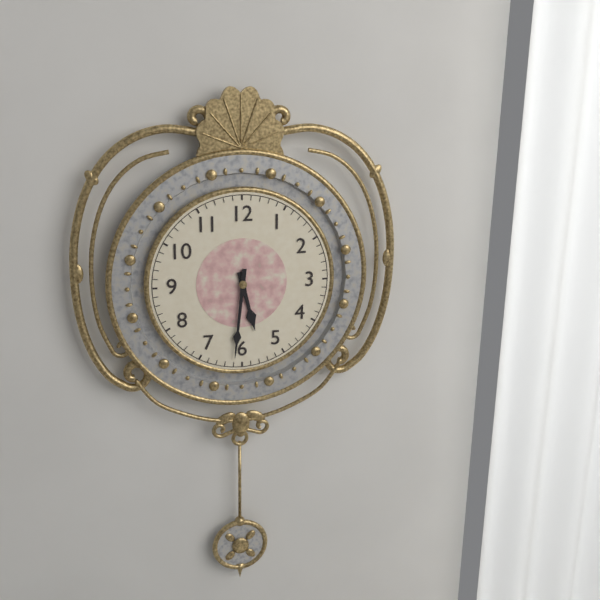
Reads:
{"hour": 5, "minute": 31}
